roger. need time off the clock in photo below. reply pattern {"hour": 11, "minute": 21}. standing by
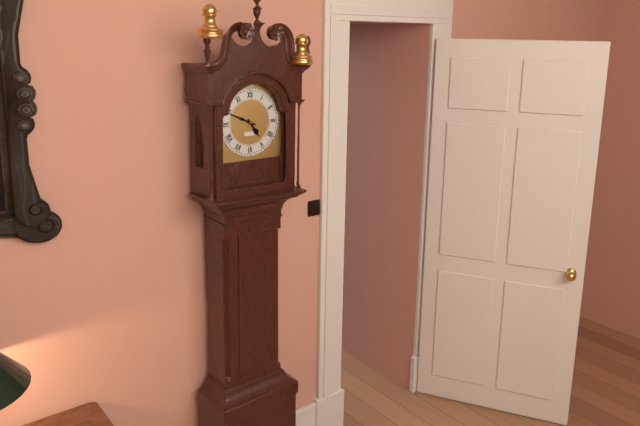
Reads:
{"hour": 4, "minute": 49}
